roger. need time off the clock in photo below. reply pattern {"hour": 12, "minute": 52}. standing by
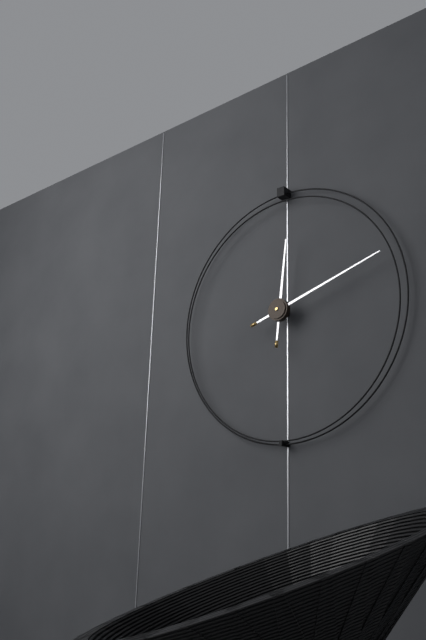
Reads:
{"hour": 12, "minute": 12}
